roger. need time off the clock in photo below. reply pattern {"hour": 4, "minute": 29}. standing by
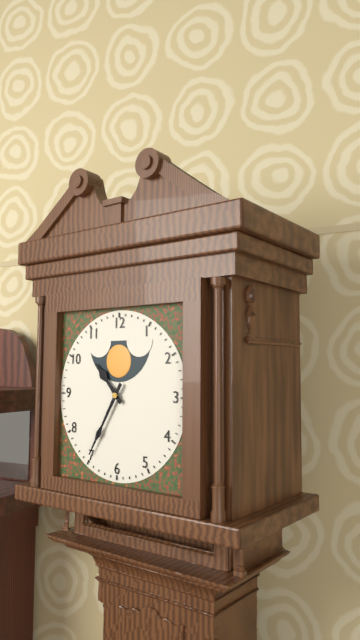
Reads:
{"hour": 10, "minute": 35}
